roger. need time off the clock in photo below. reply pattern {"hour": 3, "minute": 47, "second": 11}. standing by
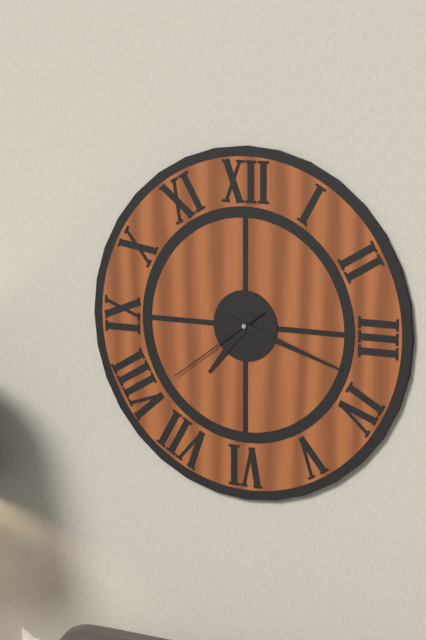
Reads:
{"hour": 7, "minute": 18, "second": 39}
